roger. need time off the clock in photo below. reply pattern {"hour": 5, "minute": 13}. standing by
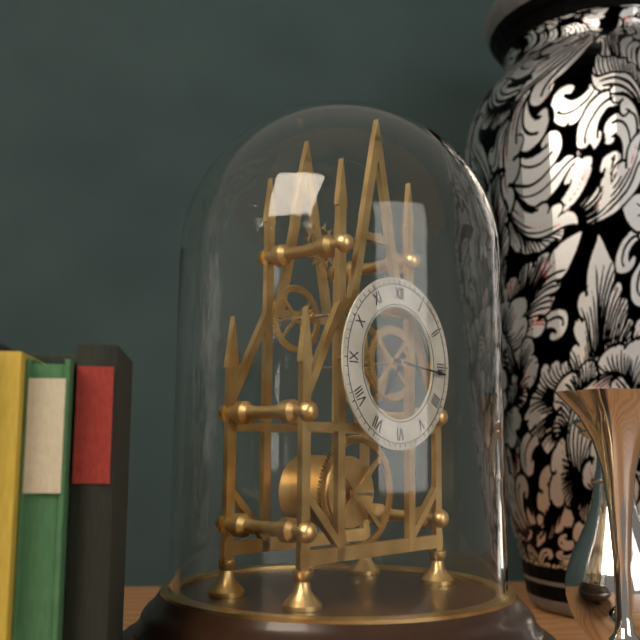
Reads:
{"hour": 7, "minute": 16}
